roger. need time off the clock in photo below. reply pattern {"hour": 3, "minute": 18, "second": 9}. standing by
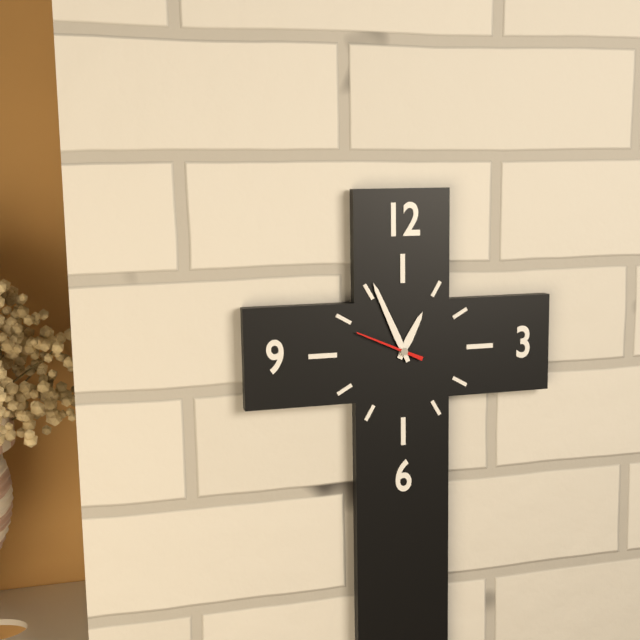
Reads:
{"hour": 12, "minute": 56, "second": 49}
